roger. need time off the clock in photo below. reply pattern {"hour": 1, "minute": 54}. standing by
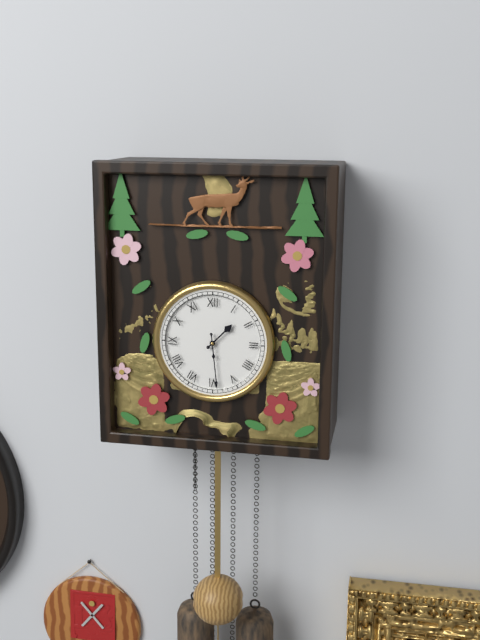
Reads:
{"hour": 1, "minute": 29}
